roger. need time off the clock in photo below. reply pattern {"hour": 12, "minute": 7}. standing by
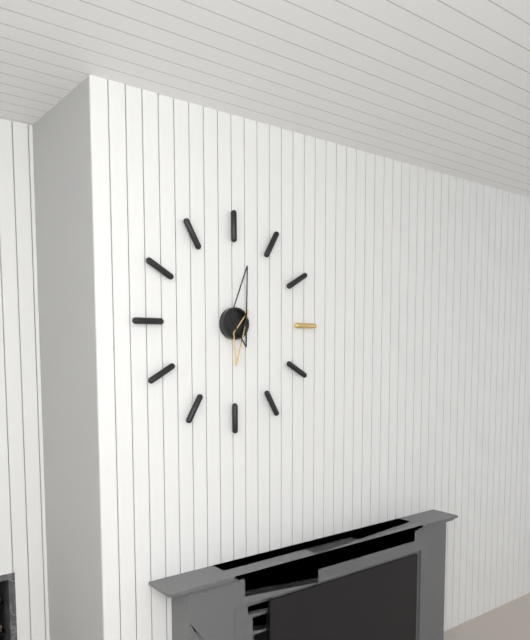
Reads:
{"hour": 6, "minute": 2}
